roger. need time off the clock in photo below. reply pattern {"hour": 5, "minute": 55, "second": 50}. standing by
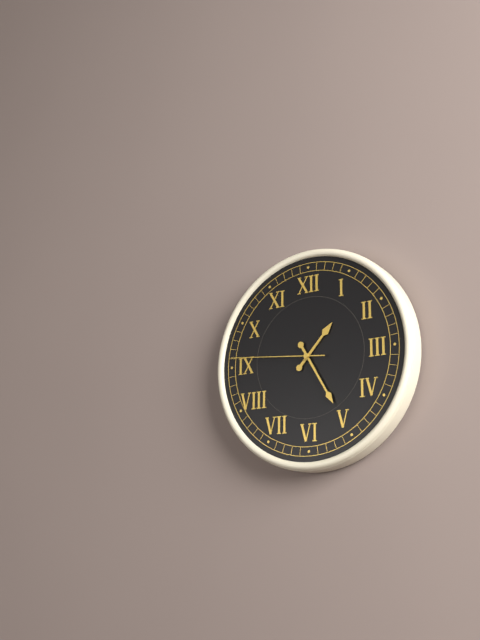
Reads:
{"hour": 1, "minute": 25, "second": 46}
